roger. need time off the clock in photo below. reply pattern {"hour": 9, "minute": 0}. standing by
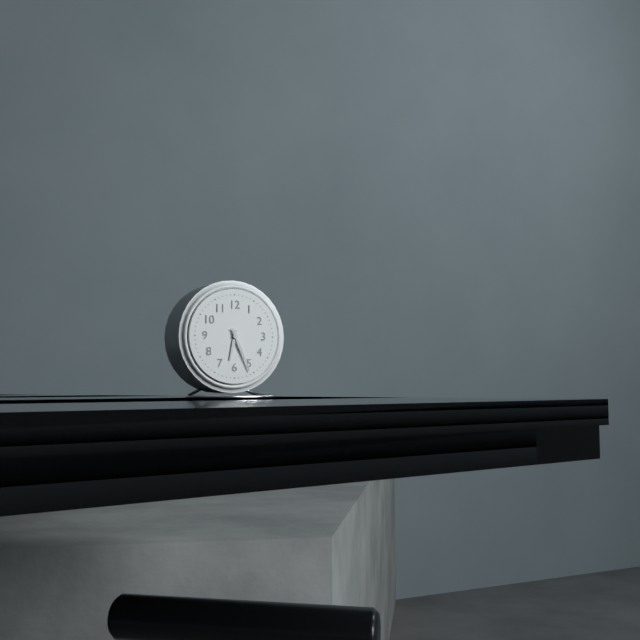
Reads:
{"hour": 6, "minute": 26}
